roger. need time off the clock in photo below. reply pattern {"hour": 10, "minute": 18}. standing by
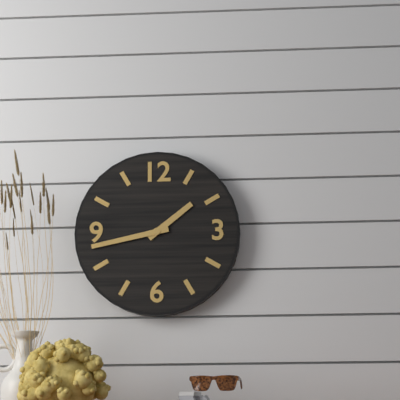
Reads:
{"hour": 1, "minute": 43}
